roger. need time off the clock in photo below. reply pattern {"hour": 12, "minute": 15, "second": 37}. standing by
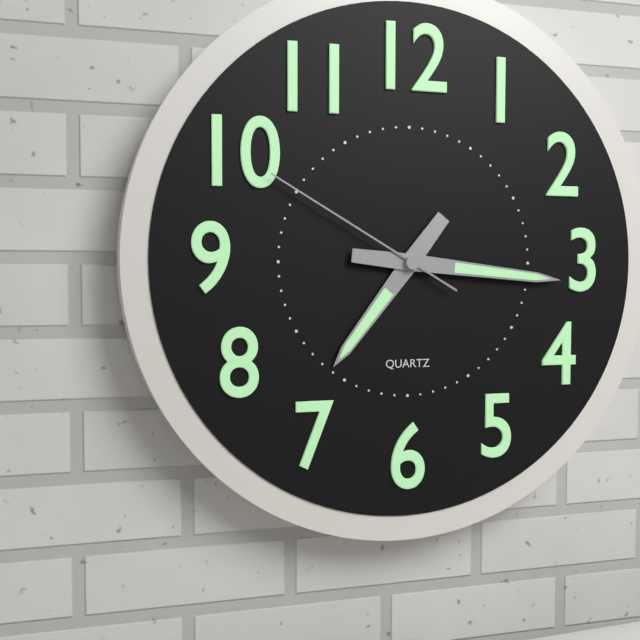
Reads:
{"hour": 7, "minute": 16, "second": 50}
